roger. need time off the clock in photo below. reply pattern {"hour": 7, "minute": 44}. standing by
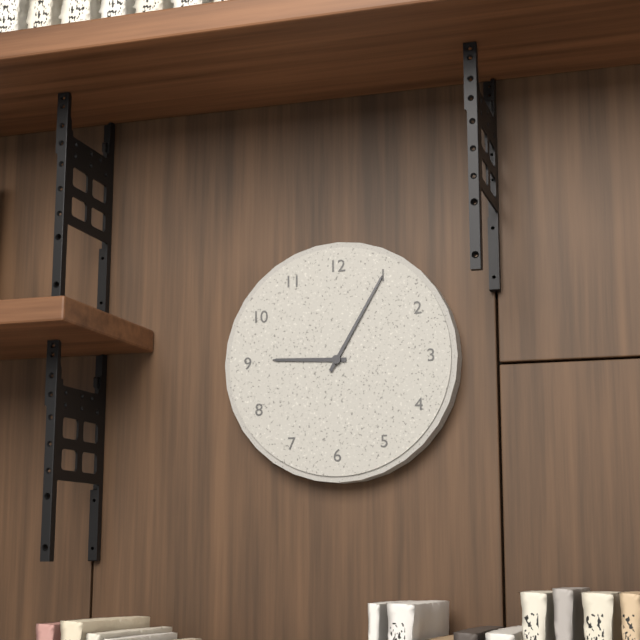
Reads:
{"hour": 9, "minute": 5}
